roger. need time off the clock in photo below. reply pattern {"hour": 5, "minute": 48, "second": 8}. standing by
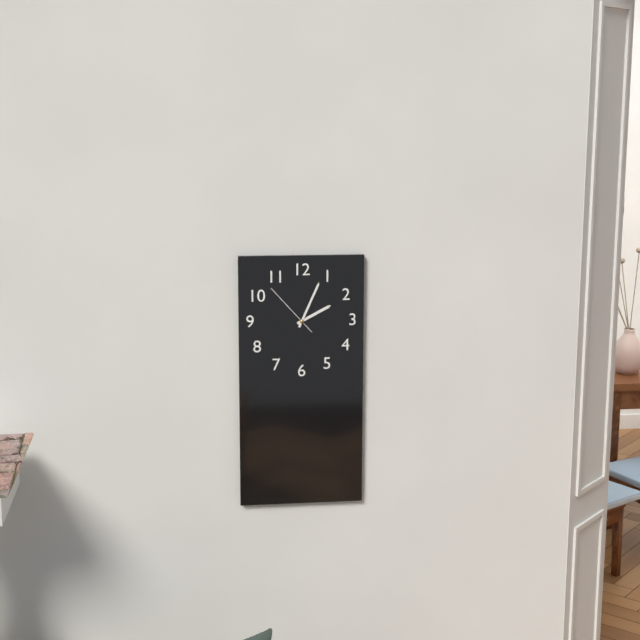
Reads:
{"hour": 2, "minute": 4, "second": 53}
